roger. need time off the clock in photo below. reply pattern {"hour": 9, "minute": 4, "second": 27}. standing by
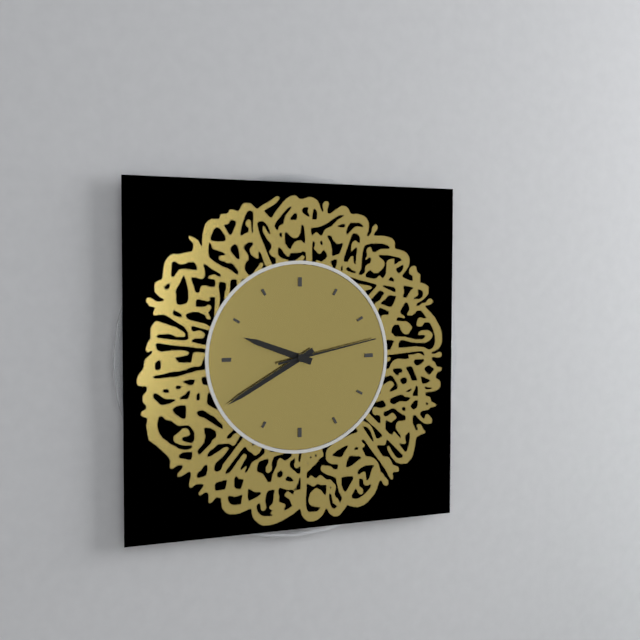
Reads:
{"hour": 9, "minute": 40, "second": 13}
